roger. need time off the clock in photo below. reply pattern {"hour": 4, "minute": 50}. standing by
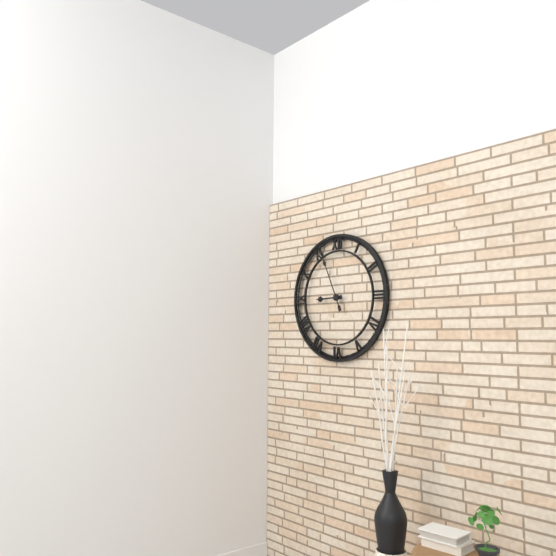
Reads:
{"hour": 8, "minute": 56}
